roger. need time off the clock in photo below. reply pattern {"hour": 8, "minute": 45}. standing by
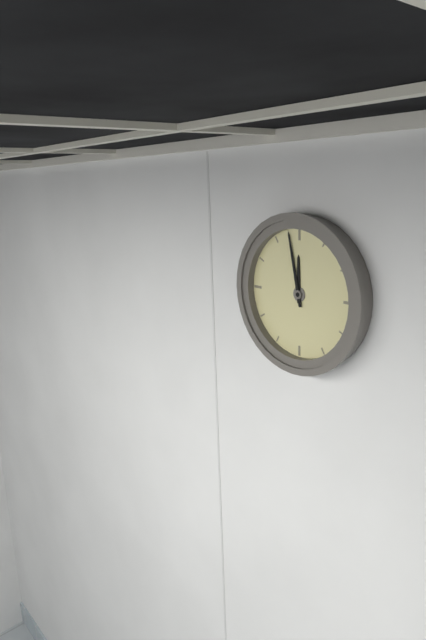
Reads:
{"hour": 11, "minute": 58}
